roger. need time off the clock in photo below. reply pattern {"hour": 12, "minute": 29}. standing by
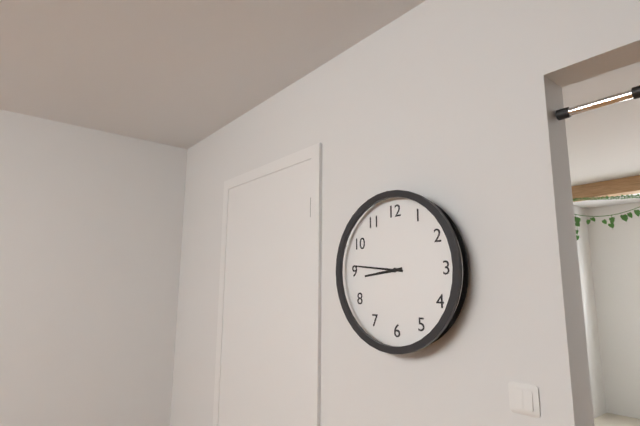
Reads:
{"hour": 8, "minute": 46}
